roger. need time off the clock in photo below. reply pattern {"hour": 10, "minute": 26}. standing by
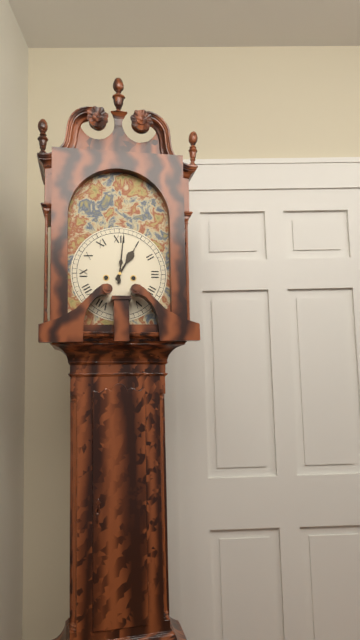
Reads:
{"hour": 1, "minute": 1}
